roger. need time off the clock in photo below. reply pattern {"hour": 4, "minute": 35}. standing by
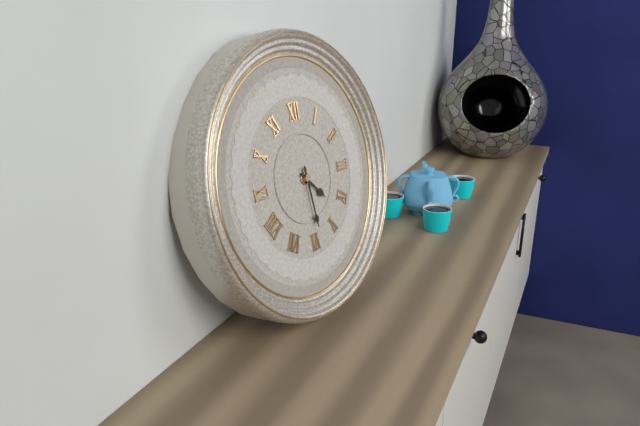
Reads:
{"hour": 4, "minute": 29}
